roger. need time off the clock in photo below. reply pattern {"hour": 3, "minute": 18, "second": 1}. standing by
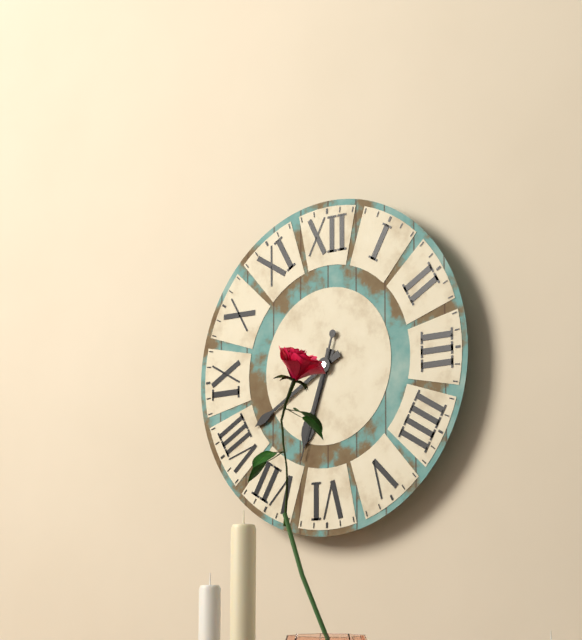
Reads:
{"hour": 6, "minute": 40, "second": 33}
